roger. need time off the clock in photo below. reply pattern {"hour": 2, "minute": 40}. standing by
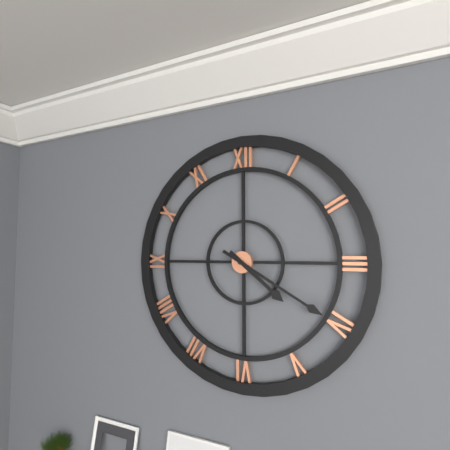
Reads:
{"hour": 4, "minute": 20}
